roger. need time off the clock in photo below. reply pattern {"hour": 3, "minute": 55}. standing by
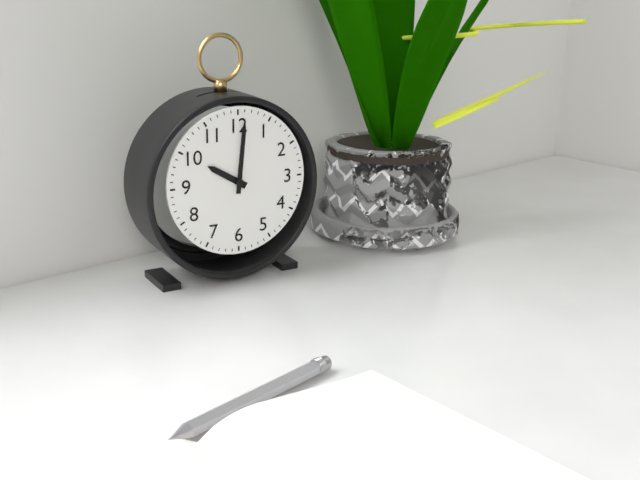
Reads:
{"hour": 10, "minute": 1}
